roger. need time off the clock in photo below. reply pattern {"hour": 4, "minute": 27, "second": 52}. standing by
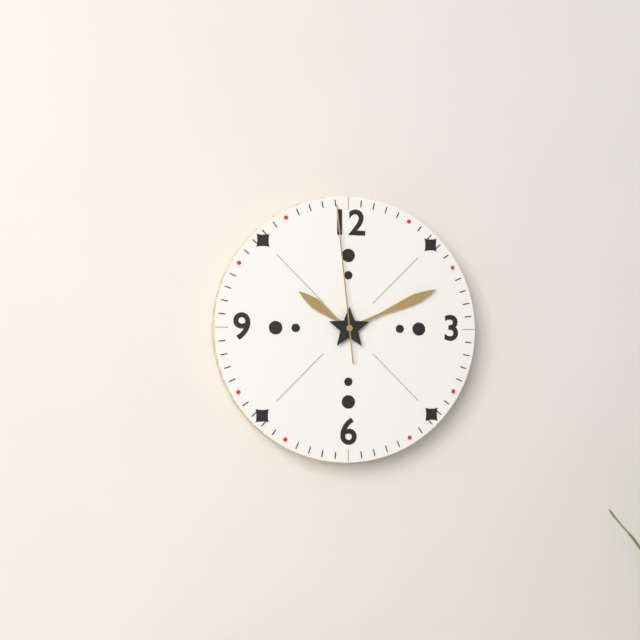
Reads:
{"hour": 10, "minute": 11, "second": 59}
